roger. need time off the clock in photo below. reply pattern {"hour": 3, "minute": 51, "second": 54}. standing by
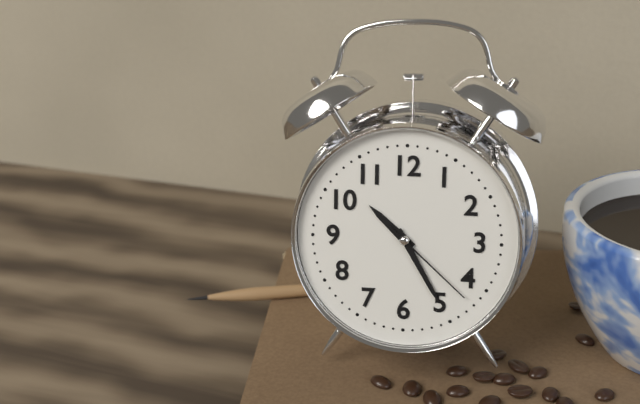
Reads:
{"hour": 10, "minute": 25, "second": 22}
